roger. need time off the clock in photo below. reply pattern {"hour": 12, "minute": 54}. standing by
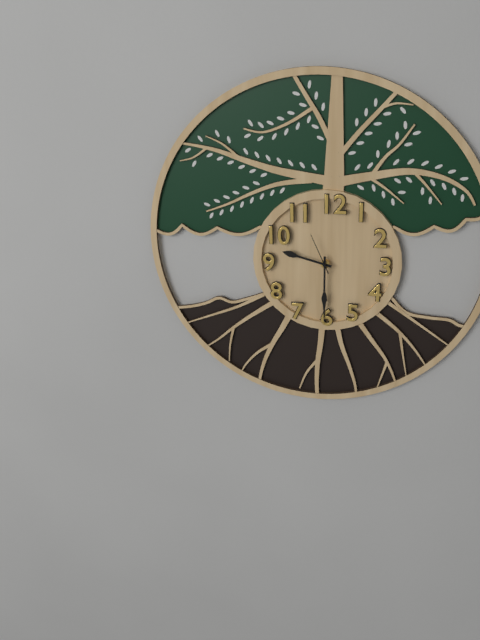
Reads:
{"hour": 9, "minute": 30}
